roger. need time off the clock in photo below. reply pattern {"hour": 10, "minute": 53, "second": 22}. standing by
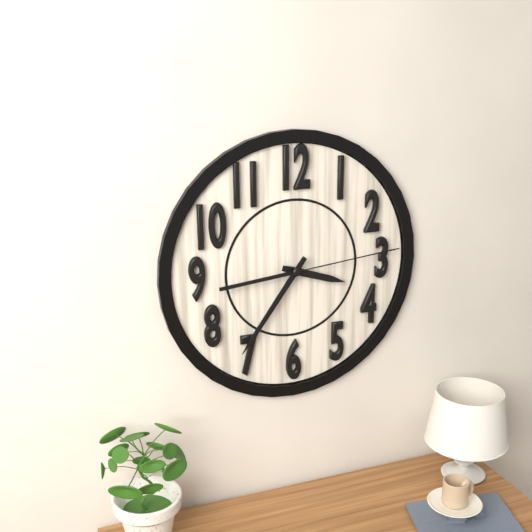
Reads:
{"hour": 3, "minute": 36, "second": 14}
